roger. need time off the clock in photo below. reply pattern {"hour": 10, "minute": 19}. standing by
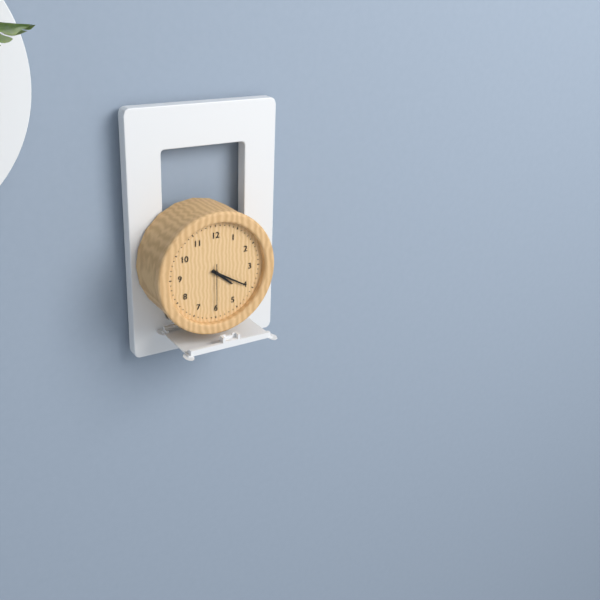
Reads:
{"hour": 4, "minute": 20}
